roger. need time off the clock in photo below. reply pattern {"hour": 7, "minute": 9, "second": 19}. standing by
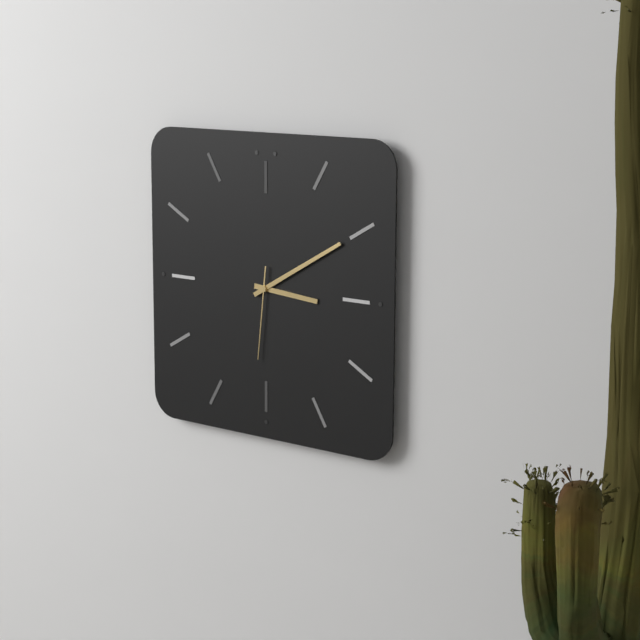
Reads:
{"hour": 3, "minute": 10, "second": 31}
